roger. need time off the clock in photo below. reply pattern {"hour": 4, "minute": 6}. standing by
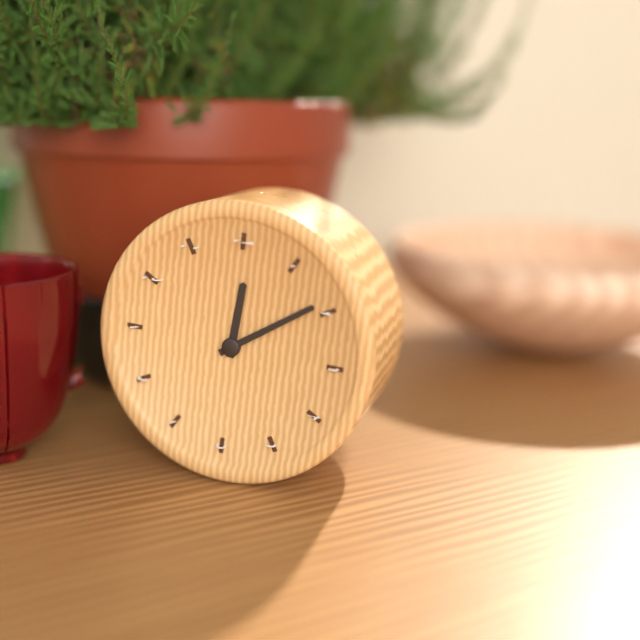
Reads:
{"hour": 12, "minute": 9}
